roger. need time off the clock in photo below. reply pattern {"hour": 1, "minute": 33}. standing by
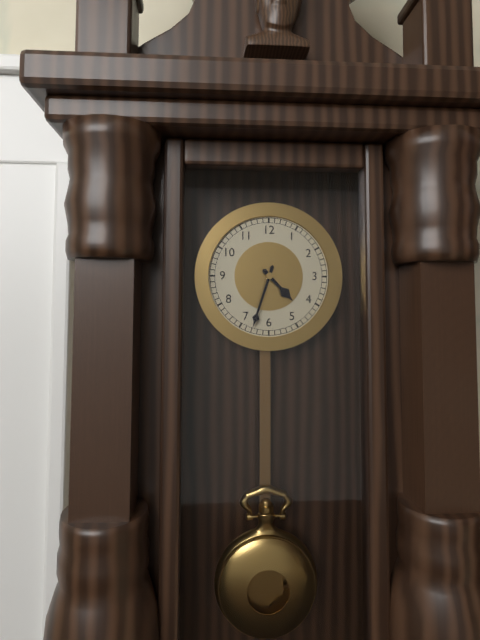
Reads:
{"hour": 4, "minute": 33}
